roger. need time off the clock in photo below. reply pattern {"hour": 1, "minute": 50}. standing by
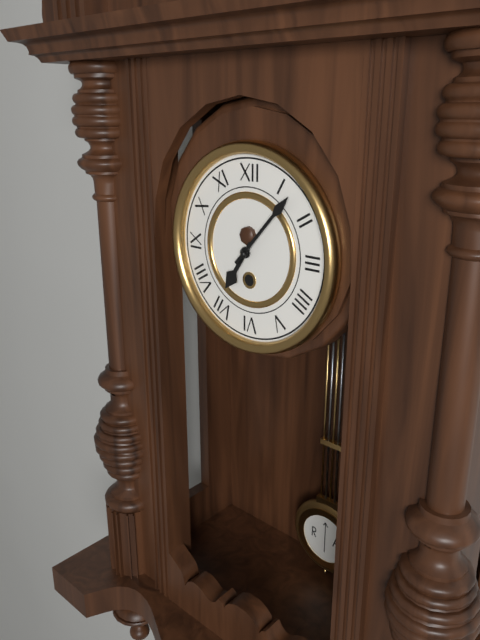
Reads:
{"hour": 7, "minute": 7}
